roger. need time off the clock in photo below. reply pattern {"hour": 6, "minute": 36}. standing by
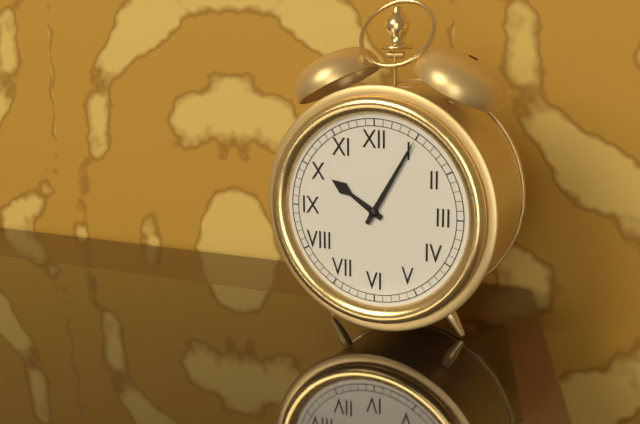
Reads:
{"hour": 10, "minute": 5}
